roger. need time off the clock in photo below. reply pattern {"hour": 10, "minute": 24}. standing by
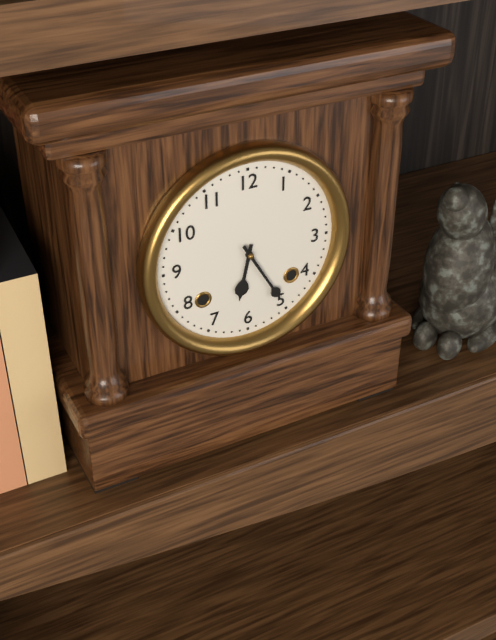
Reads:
{"hour": 6, "minute": 25}
